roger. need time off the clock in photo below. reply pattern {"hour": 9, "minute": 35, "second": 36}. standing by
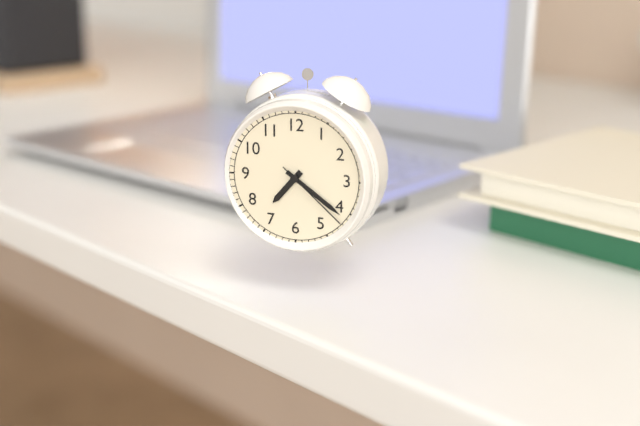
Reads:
{"hour": 7, "minute": 21, "second": 22}
